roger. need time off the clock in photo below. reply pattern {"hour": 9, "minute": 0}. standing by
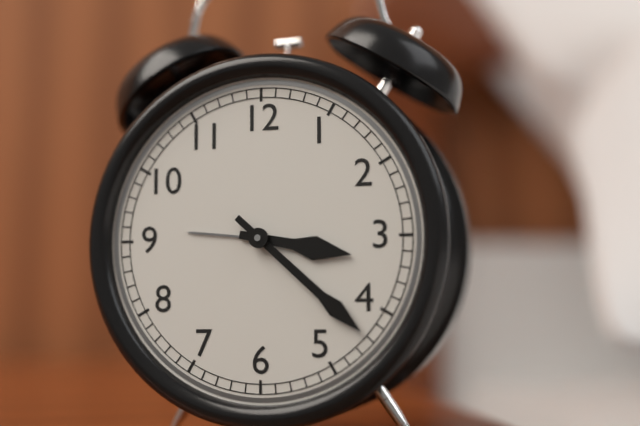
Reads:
{"hour": 3, "minute": 22}
